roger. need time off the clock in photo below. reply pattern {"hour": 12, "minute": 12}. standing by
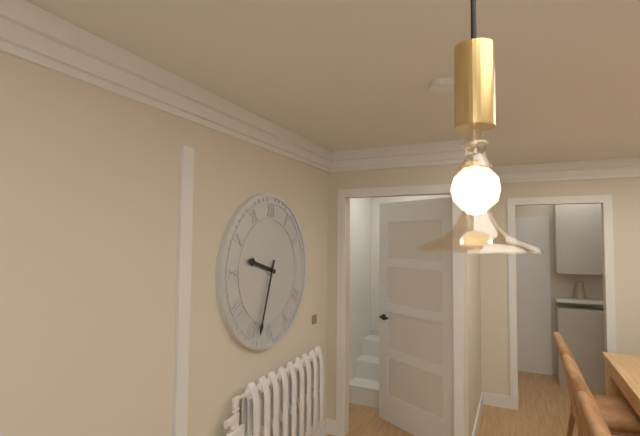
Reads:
{"hour": 9, "minute": 33}
